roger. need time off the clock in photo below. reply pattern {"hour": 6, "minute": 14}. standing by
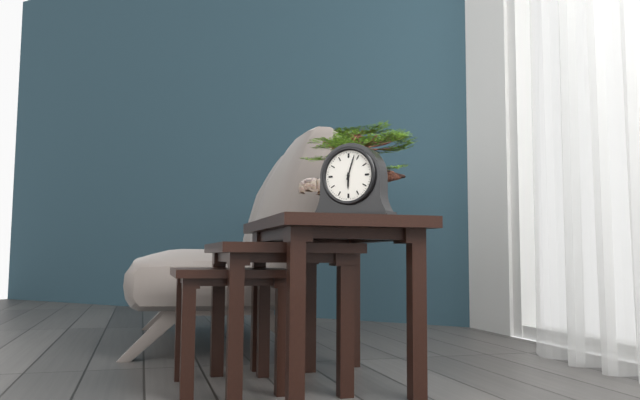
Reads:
{"hour": 6, "minute": 3}
